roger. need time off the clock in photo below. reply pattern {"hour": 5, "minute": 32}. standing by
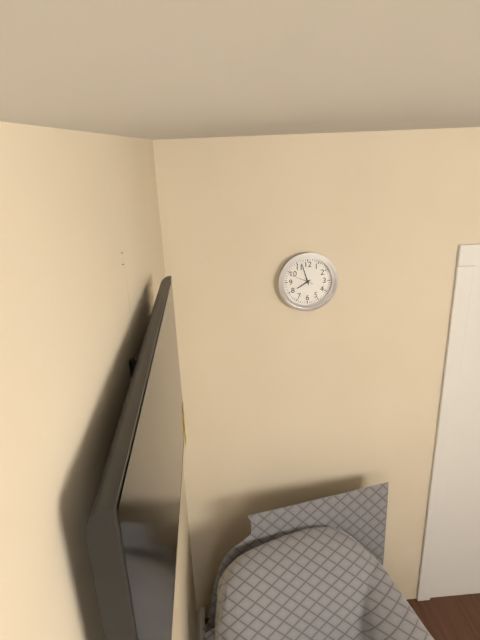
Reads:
{"hour": 7, "minute": 57}
